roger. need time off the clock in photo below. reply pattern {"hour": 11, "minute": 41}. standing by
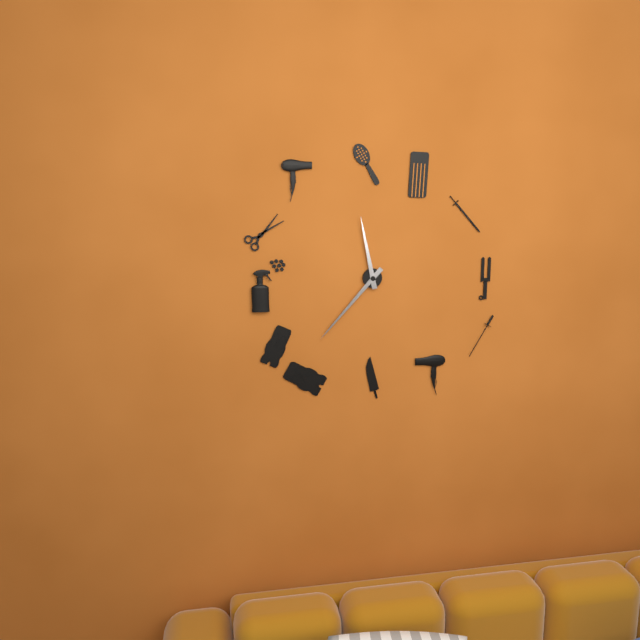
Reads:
{"hour": 11, "minute": 37}
